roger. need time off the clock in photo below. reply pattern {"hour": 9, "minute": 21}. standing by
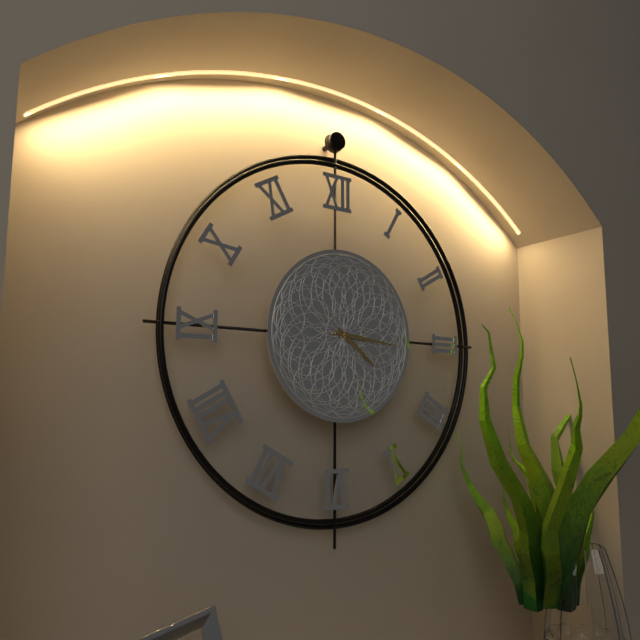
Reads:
{"hour": 4, "minute": 16}
